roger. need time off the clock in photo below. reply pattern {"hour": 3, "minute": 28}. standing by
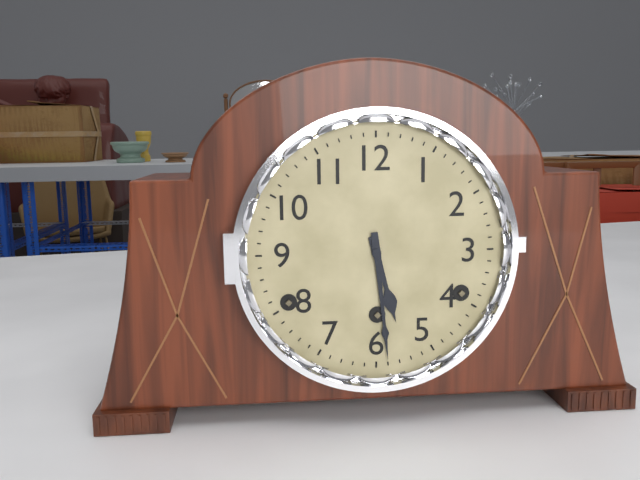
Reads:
{"hour": 5, "minute": 29}
